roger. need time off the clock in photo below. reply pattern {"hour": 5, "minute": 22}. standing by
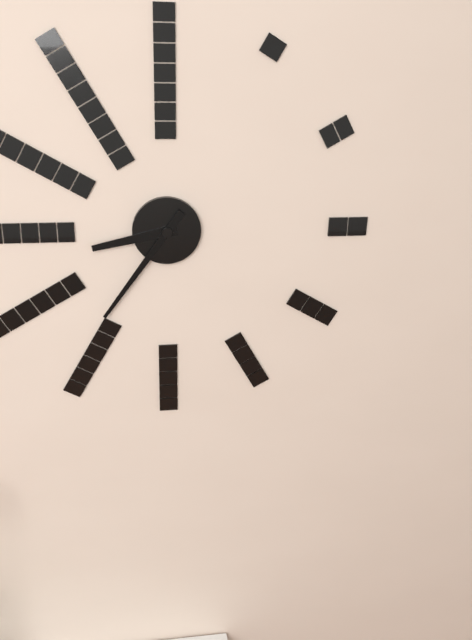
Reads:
{"hour": 8, "minute": 36}
